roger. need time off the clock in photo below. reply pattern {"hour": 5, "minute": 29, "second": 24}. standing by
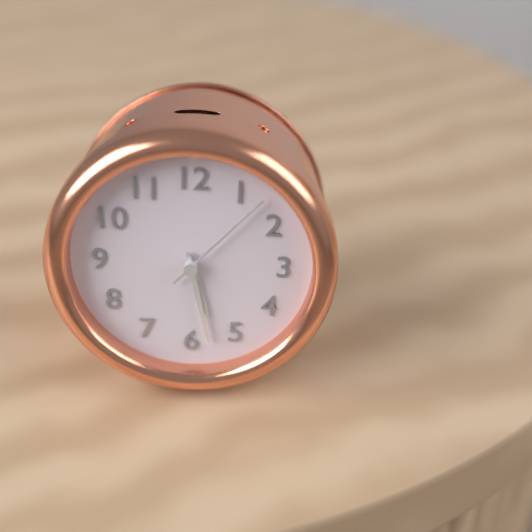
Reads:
{"hour": 5, "minute": 28, "second": 7}
